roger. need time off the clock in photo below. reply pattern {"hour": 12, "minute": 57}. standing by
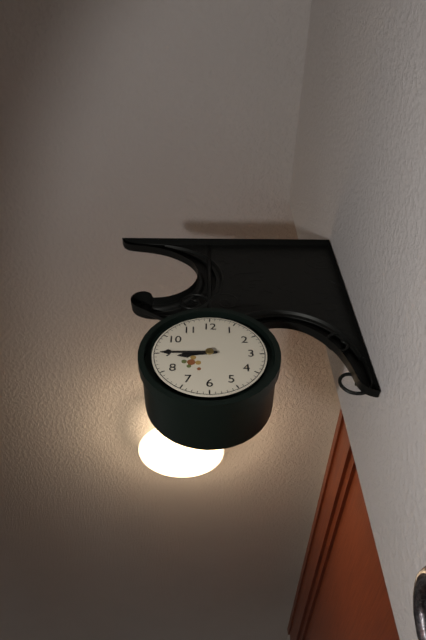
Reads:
{"hour": 8, "minute": 45}
